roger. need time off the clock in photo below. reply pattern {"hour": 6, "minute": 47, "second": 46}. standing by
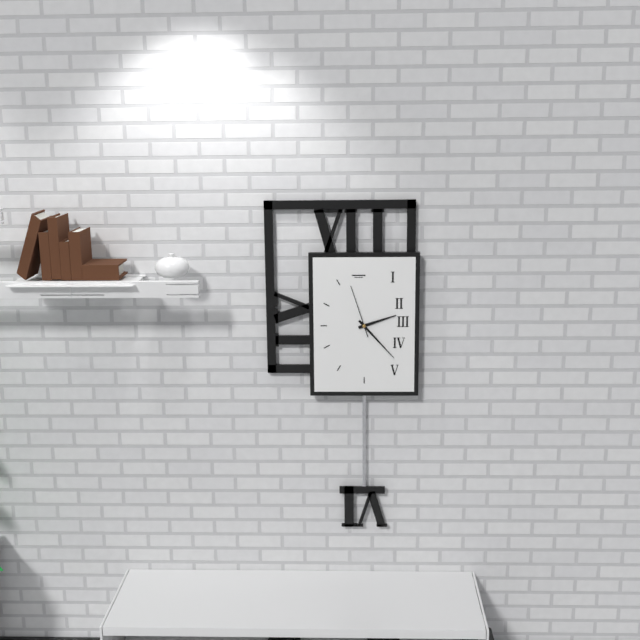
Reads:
{"hour": 2, "minute": 23, "second": 57}
